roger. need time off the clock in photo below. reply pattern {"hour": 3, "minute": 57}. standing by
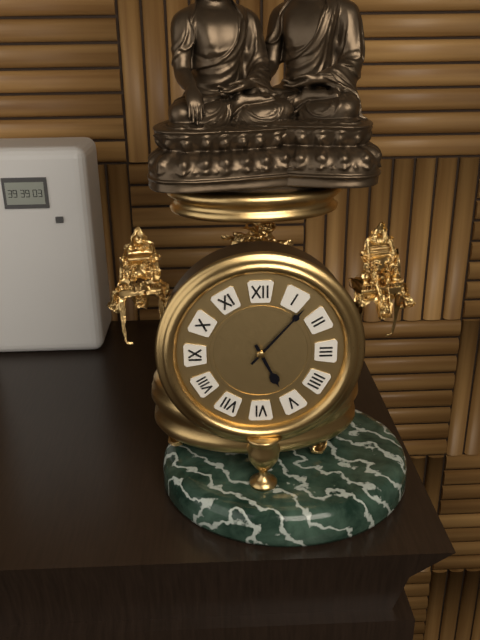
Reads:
{"hour": 5, "minute": 7}
